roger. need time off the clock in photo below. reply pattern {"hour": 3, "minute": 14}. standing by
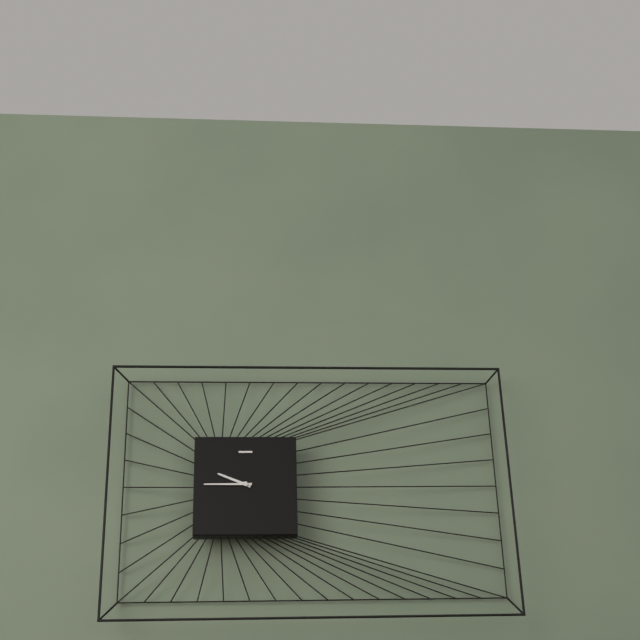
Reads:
{"hour": 9, "minute": 45}
